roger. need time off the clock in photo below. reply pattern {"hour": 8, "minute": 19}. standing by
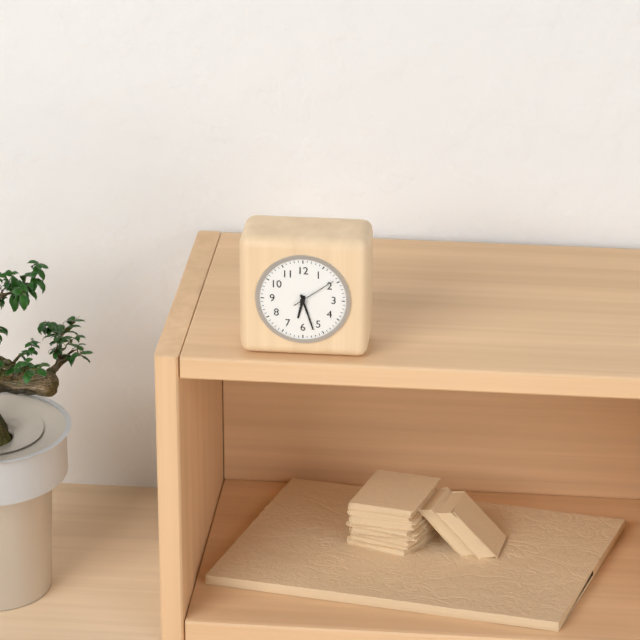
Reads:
{"hour": 6, "minute": 27}
